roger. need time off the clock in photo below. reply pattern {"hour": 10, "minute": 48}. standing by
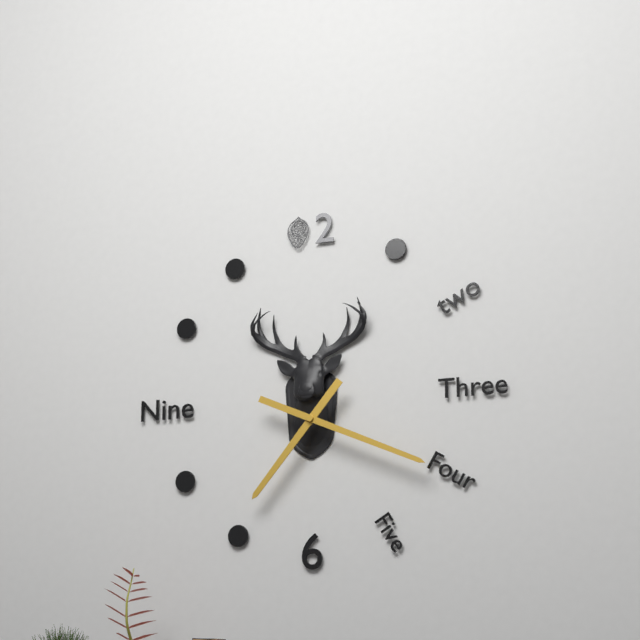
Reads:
{"hour": 7, "minute": 19}
